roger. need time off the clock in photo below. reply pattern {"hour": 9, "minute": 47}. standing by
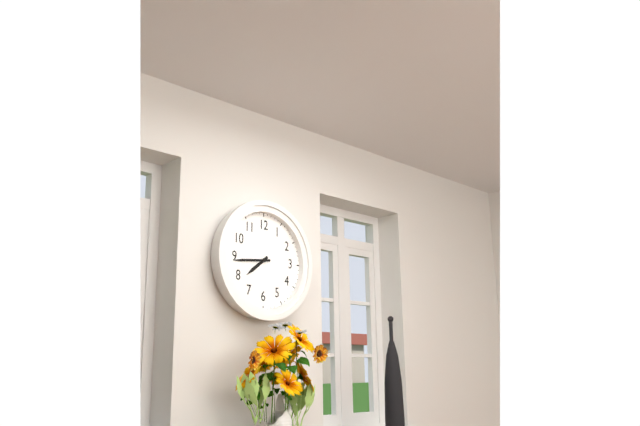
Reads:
{"hour": 7, "minute": 44}
